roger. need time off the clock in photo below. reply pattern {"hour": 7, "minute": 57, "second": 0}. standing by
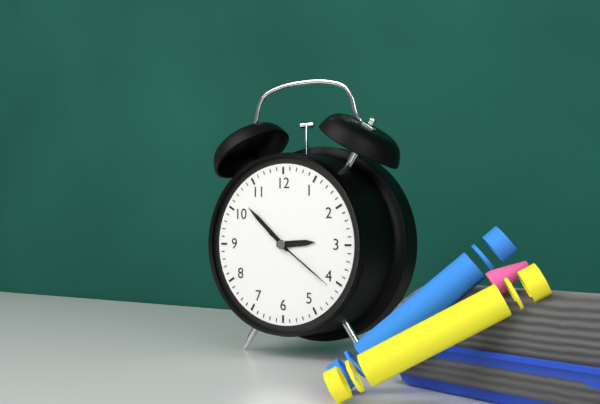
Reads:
{"hour": 2, "minute": 52, "second": 21}
